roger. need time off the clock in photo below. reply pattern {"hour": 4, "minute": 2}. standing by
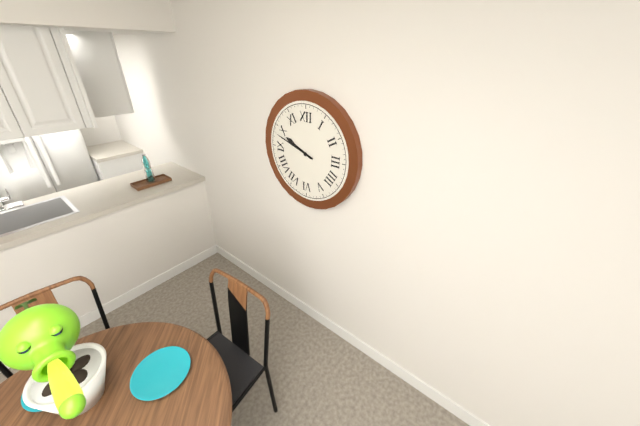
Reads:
{"hour": 9, "minute": 48}
